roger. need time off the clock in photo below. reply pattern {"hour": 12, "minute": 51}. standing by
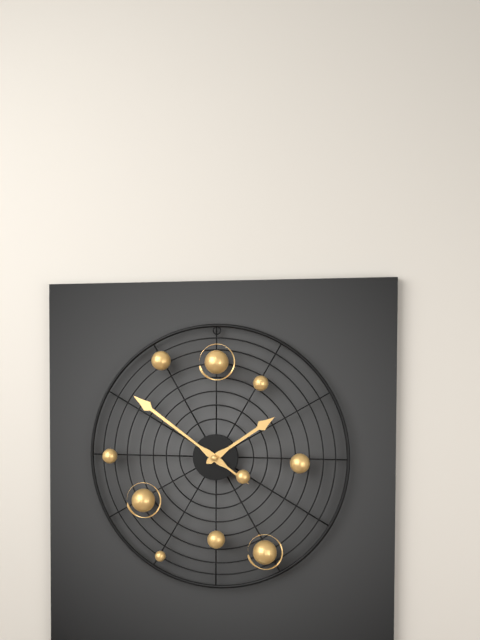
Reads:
{"hour": 1, "minute": 51}
